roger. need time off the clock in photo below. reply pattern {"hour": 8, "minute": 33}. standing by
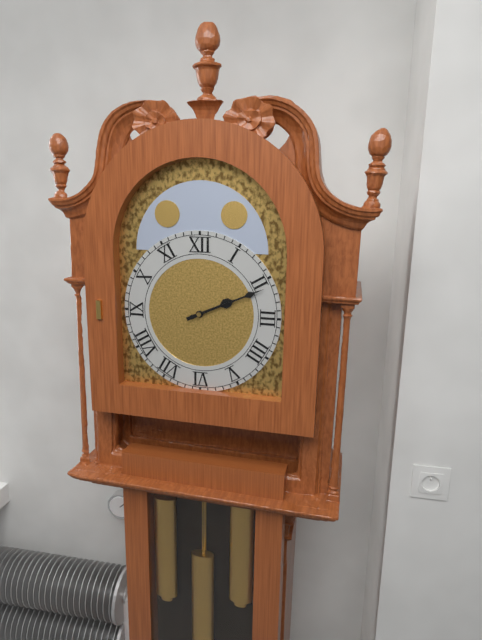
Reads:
{"hour": 2, "minute": 11}
